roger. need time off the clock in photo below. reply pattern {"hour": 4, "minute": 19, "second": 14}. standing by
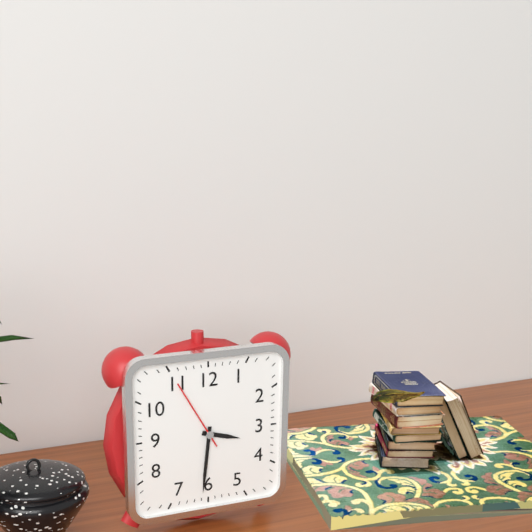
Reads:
{"hour": 3, "minute": 31, "second": 55}
